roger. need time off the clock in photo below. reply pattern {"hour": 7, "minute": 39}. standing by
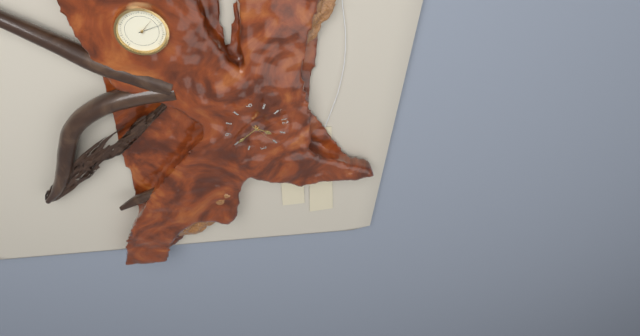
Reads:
{"hour": 1, "minute": 25}
